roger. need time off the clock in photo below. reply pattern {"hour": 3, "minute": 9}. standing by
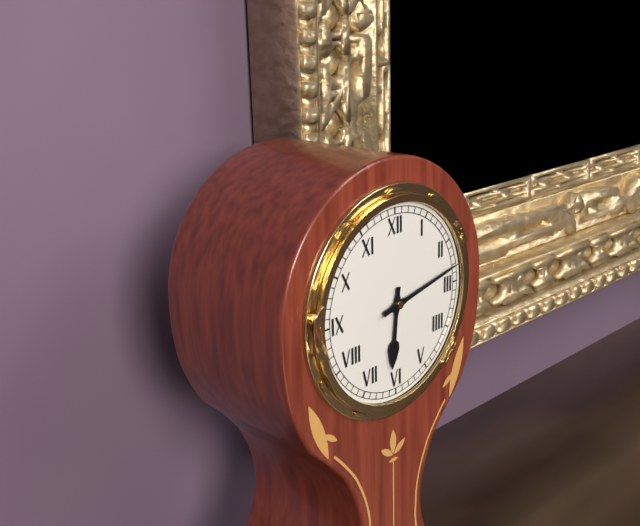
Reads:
{"hour": 6, "minute": 13}
